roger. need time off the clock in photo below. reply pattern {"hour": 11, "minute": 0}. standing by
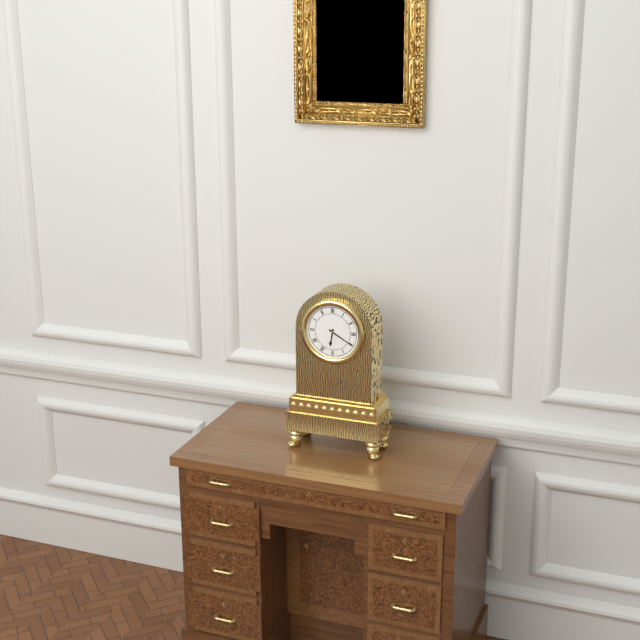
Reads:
{"hour": 6, "minute": 20}
